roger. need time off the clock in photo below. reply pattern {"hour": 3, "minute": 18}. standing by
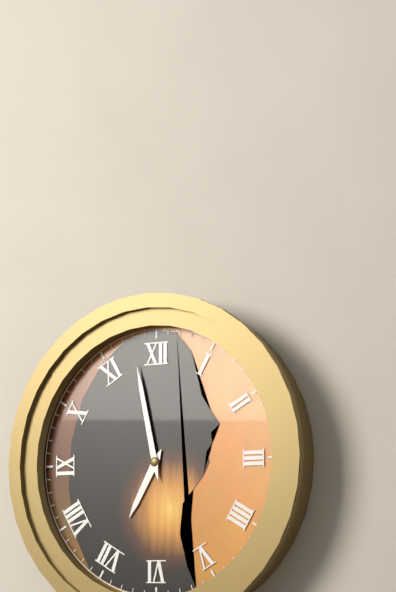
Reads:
{"hour": 6, "minute": 58}
